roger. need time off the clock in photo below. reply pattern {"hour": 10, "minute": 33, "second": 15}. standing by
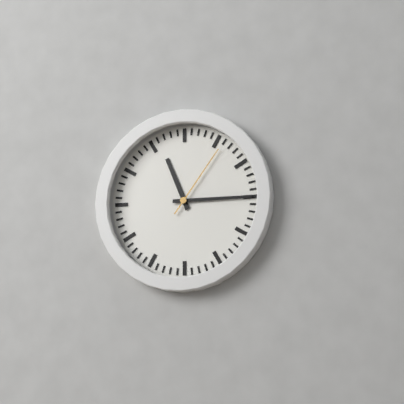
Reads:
{"hour": 11, "minute": 15, "second": 6}
